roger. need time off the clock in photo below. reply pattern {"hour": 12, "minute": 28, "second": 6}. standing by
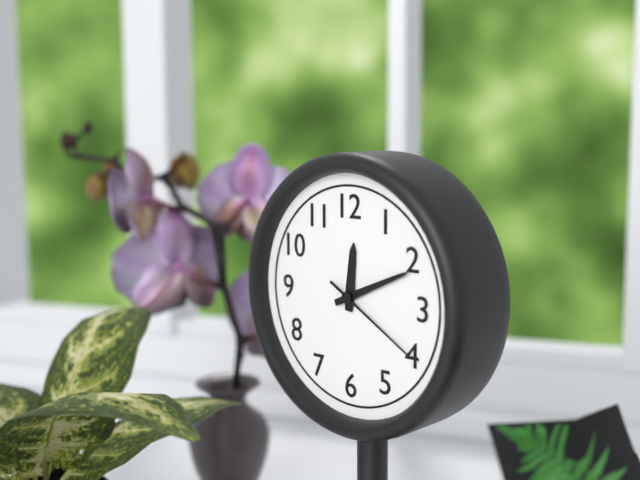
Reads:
{"hour": 12, "minute": 11, "second": 20}
